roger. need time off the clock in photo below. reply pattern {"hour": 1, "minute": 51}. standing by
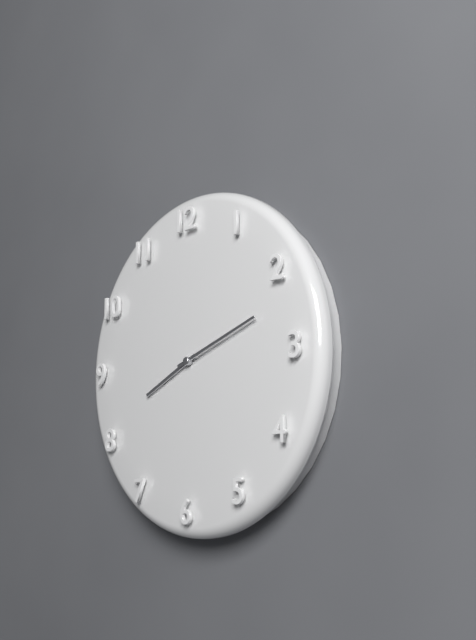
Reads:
{"hour": 8, "minute": 12}
